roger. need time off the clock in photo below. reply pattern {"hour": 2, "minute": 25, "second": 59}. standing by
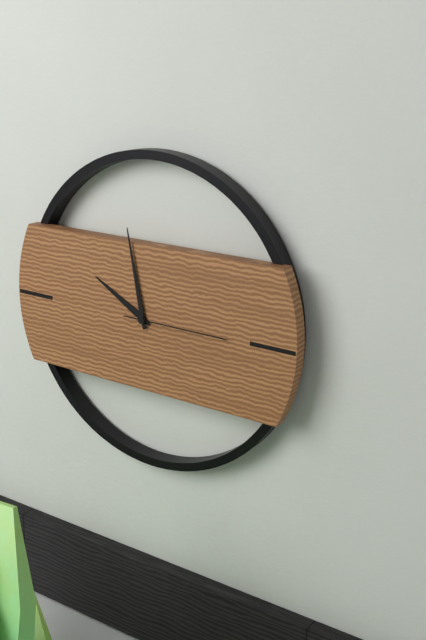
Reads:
{"hour": 9, "minute": 58, "second": 15}
